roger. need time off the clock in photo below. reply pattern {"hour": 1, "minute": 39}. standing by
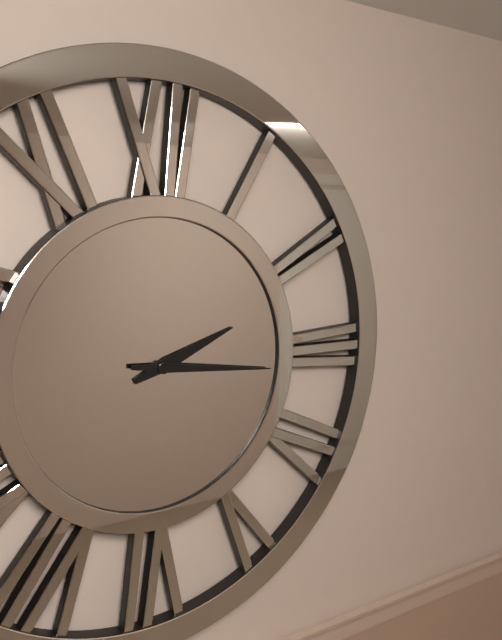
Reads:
{"hour": 2, "minute": 16}
